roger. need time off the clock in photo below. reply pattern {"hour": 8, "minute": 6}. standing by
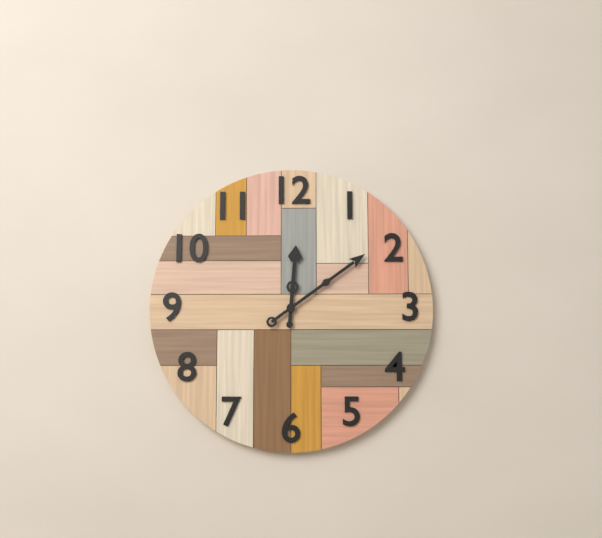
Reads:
{"hour": 12, "minute": 9}
